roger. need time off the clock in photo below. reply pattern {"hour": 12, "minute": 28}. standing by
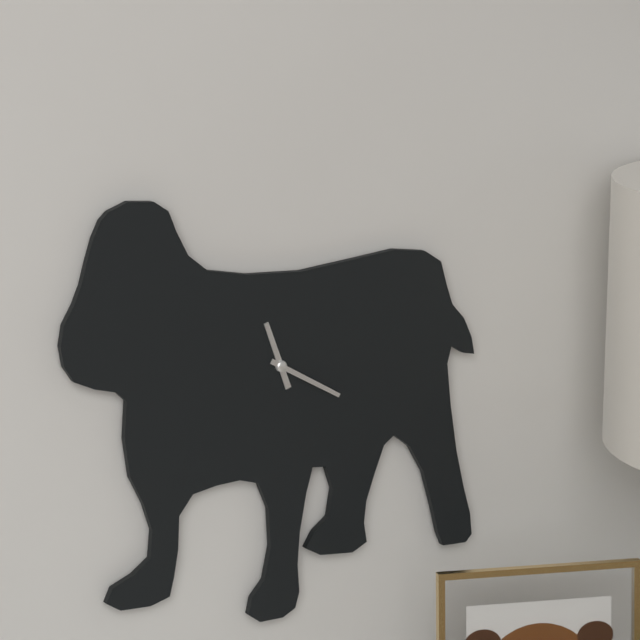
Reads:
{"hour": 11, "minute": 20}
